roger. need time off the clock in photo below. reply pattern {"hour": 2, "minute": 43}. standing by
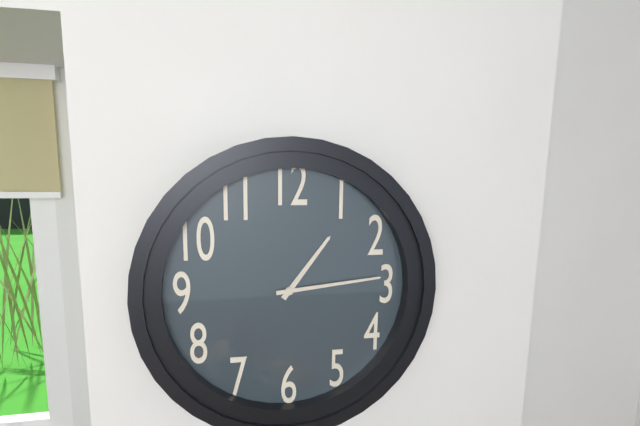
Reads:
{"hour": 1, "minute": 14}
